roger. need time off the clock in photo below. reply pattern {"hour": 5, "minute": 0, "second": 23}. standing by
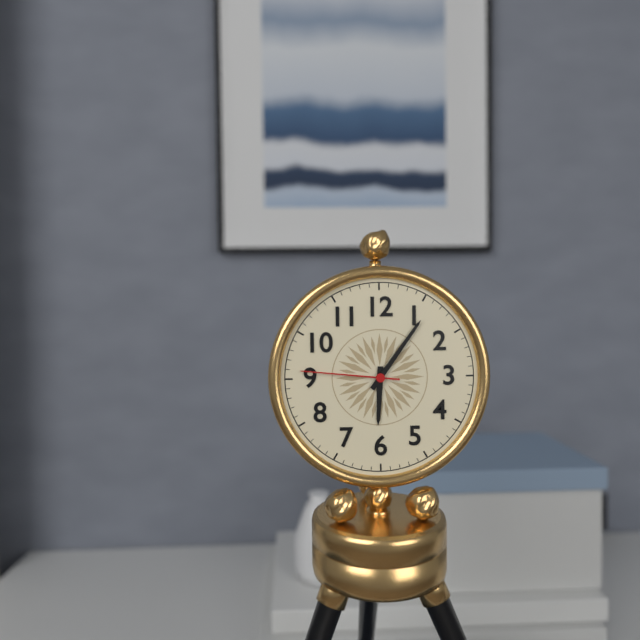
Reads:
{"hour": 6, "minute": 6, "second": 46}
